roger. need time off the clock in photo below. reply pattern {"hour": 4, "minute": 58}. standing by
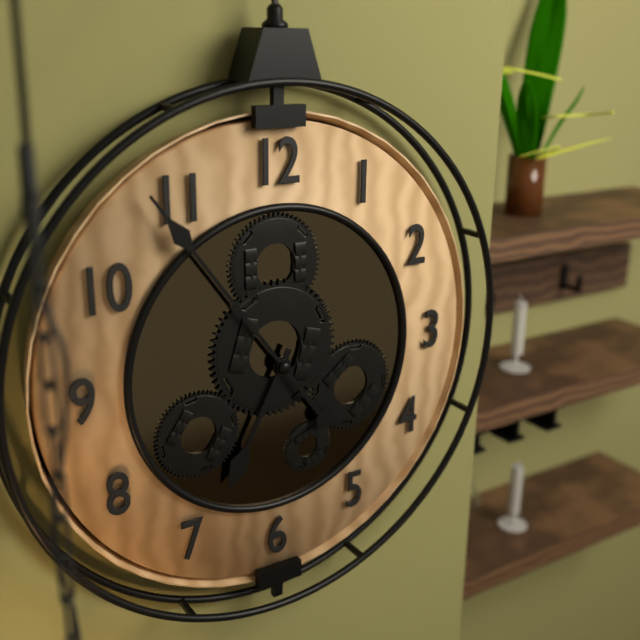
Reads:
{"hour": 6, "minute": 54}
